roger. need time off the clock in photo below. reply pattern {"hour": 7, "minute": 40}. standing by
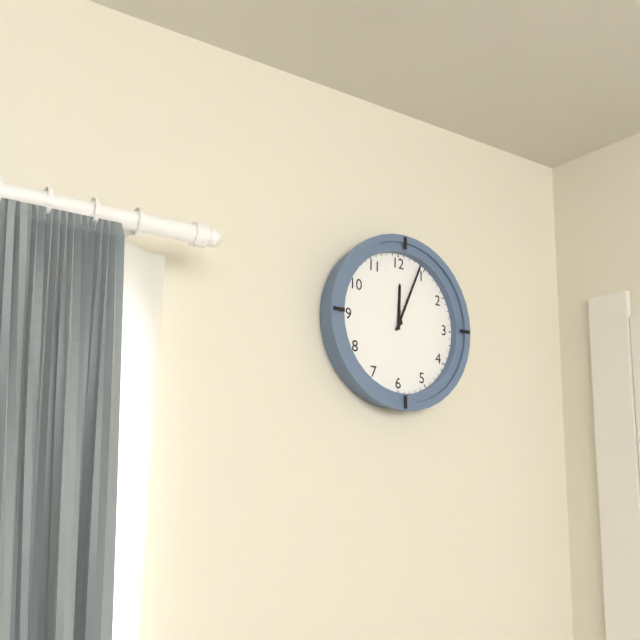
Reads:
{"hour": 12, "minute": 4}
